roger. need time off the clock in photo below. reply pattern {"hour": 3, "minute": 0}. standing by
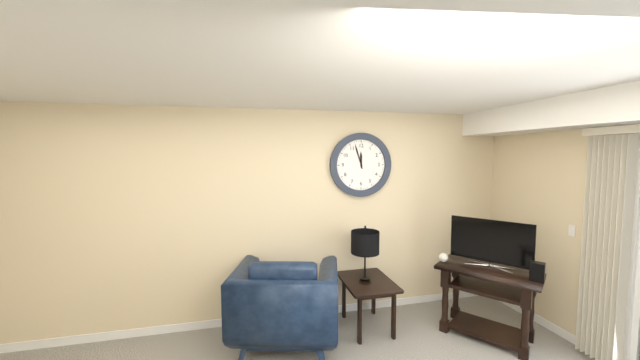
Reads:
{"hour": 11, "minute": 57}
